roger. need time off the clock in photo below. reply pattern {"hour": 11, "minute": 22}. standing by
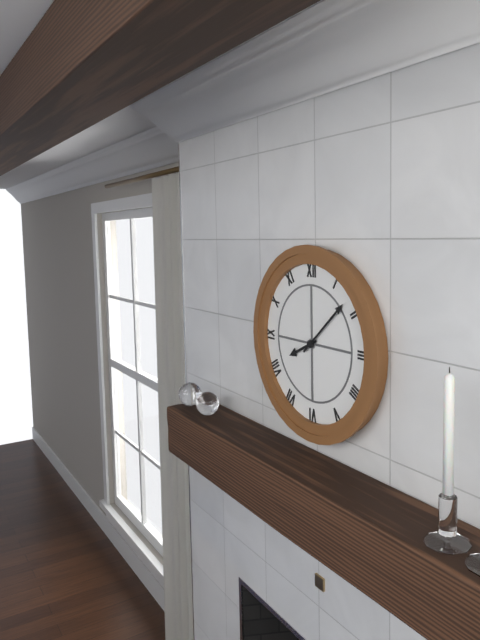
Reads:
{"hour": 8, "minute": 8}
